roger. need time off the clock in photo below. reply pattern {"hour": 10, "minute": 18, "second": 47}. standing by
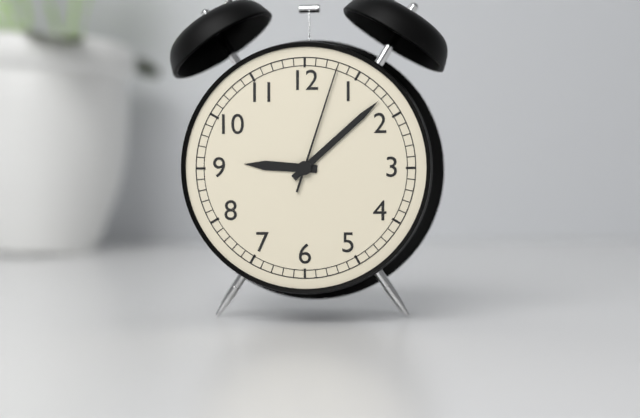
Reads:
{"hour": 9, "minute": 8, "second": 3}
